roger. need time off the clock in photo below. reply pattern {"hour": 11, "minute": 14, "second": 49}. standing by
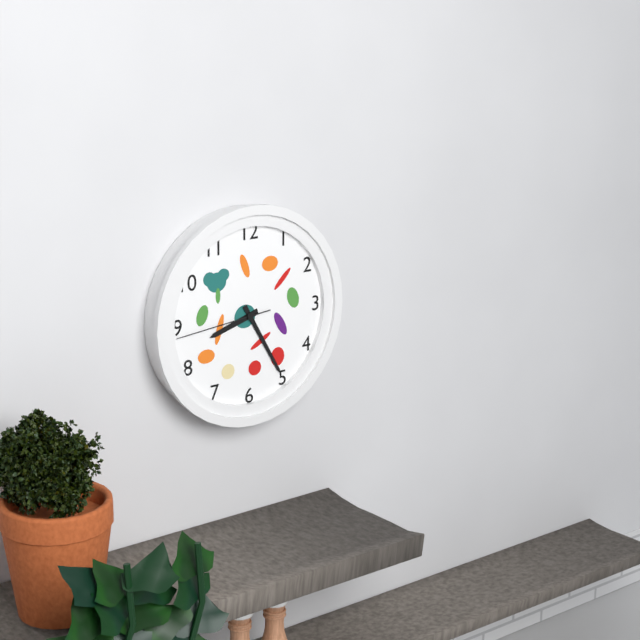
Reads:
{"hour": 8, "minute": 25, "second": 44}
